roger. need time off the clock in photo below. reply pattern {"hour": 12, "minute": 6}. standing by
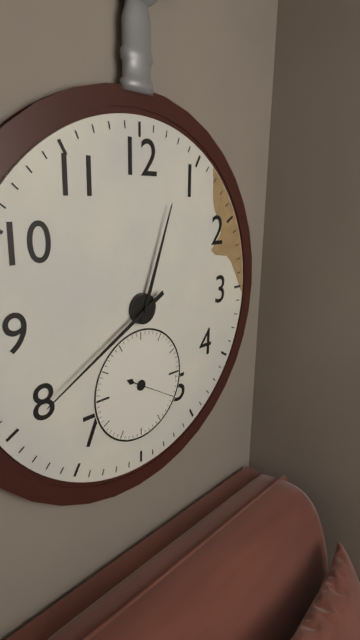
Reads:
{"hour": 12, "minute": 40}
